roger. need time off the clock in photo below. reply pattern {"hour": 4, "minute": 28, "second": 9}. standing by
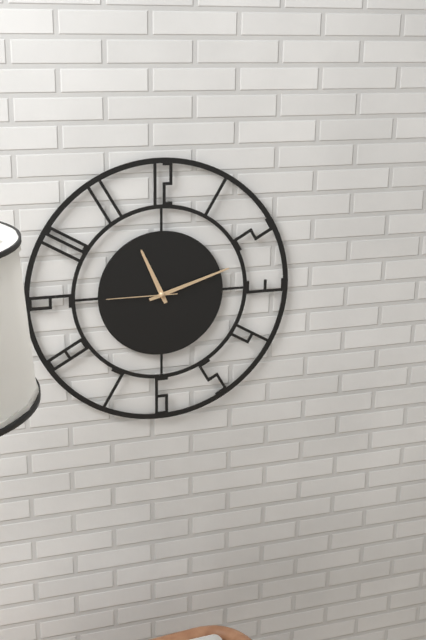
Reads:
{"hour": 11, "minute": 12, "second": 45}
